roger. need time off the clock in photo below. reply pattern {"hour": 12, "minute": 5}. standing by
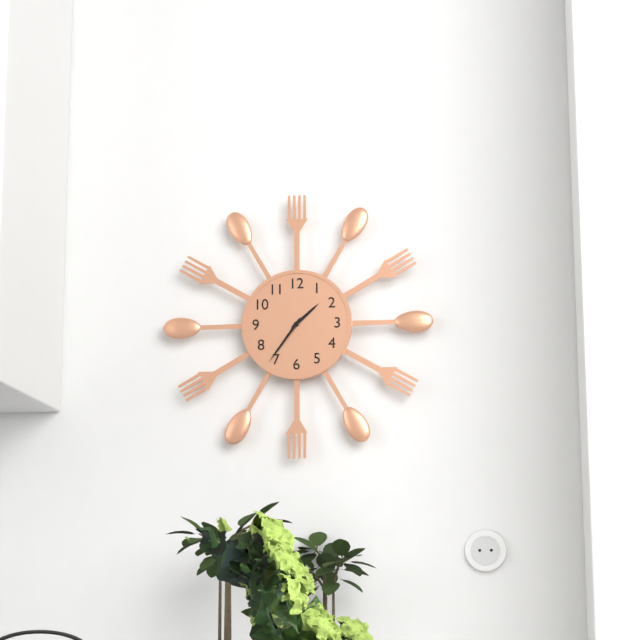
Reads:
{"hour": 1, "minute": 36}
